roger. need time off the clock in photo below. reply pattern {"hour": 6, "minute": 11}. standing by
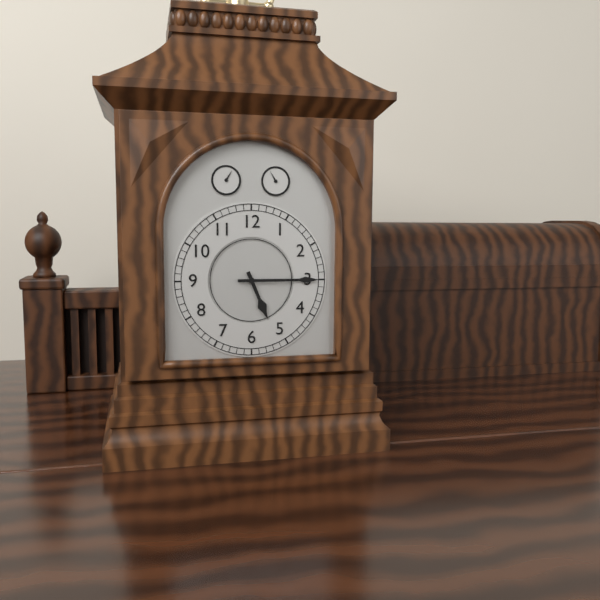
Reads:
{"hour": 5, "minute": 15}
